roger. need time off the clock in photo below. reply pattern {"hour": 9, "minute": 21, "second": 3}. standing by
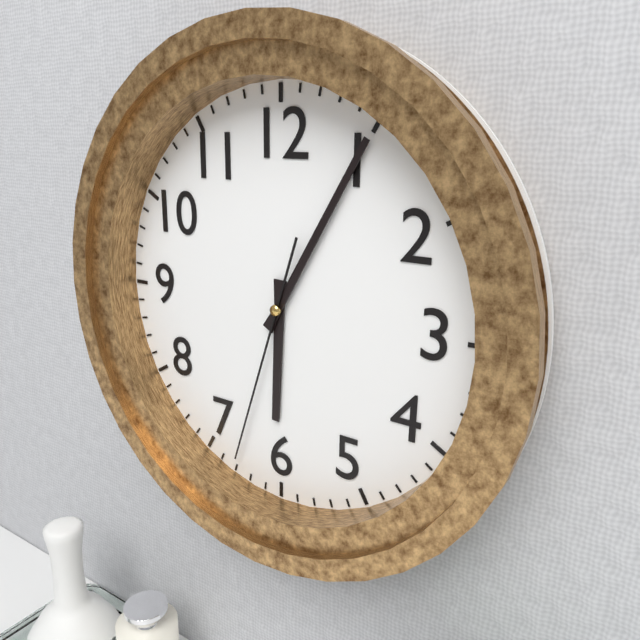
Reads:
{"hour": 6, "minute": 5, "second": 33}
